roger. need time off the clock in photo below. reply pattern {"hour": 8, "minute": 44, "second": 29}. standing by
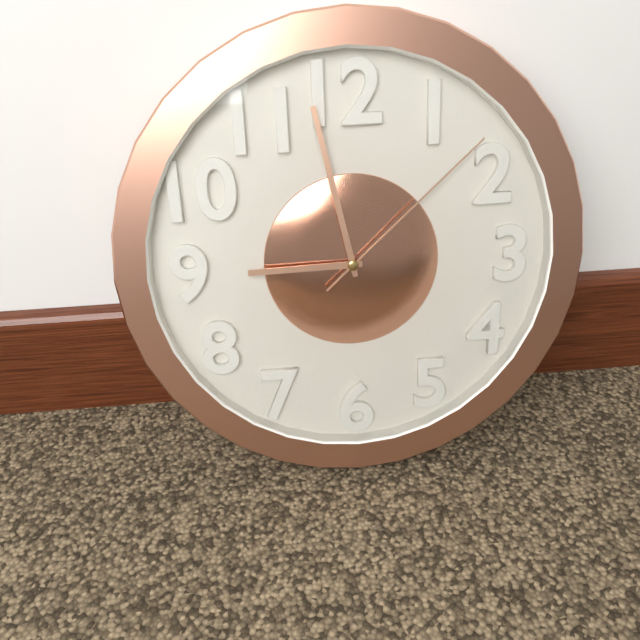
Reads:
{"hour": 8, "minute": 58, "second": 8}
